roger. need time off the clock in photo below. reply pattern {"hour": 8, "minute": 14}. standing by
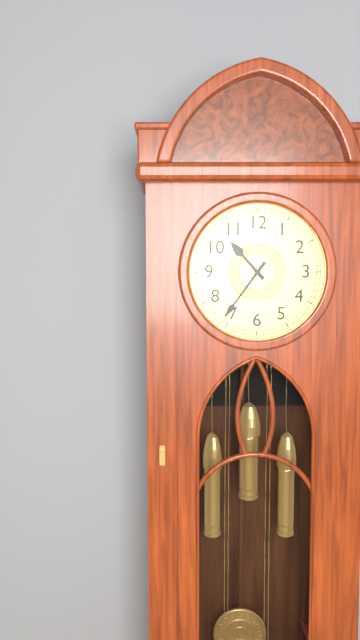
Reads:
{"hour": 10, "minute": 36}
